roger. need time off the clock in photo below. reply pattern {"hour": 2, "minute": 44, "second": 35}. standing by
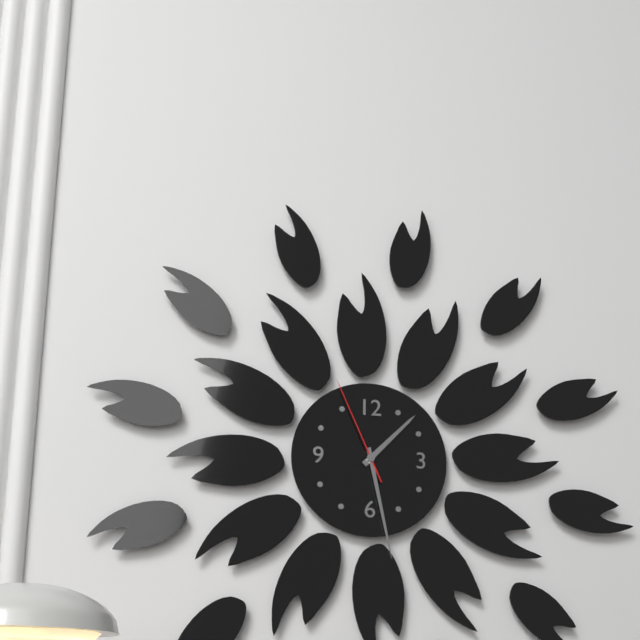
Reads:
{"hour": 1, "minute": 28, "second": 56}
